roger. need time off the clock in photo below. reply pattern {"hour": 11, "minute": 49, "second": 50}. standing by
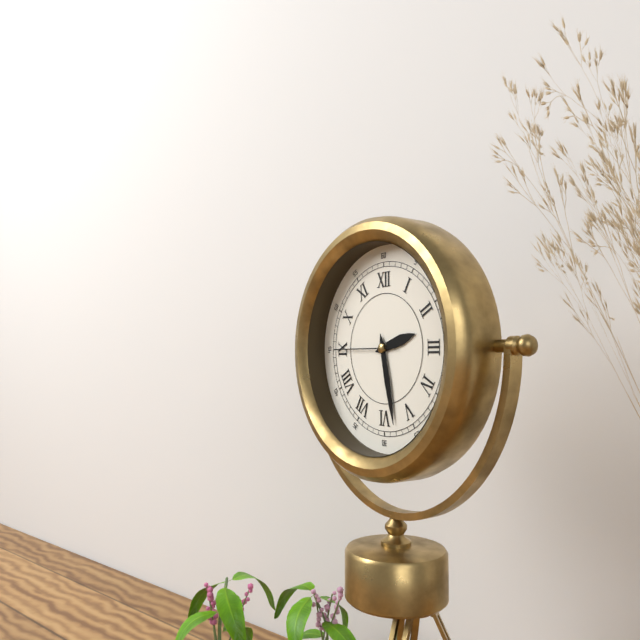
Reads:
{"hour": 2, "minute": 28, "second": 45}
